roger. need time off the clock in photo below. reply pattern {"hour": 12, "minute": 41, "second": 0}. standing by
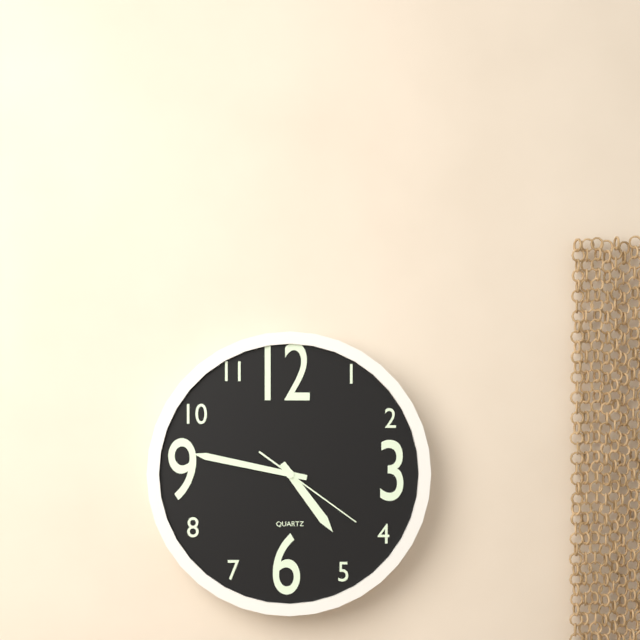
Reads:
{"hour": 4, "minute": 47, "second": 21}
